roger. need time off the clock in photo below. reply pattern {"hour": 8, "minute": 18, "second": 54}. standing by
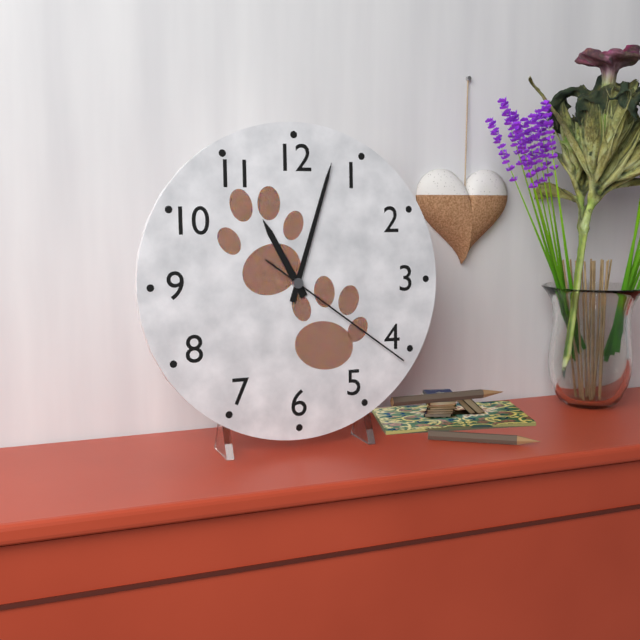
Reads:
{"hour": 11, "minute": 3, "second": 21}
